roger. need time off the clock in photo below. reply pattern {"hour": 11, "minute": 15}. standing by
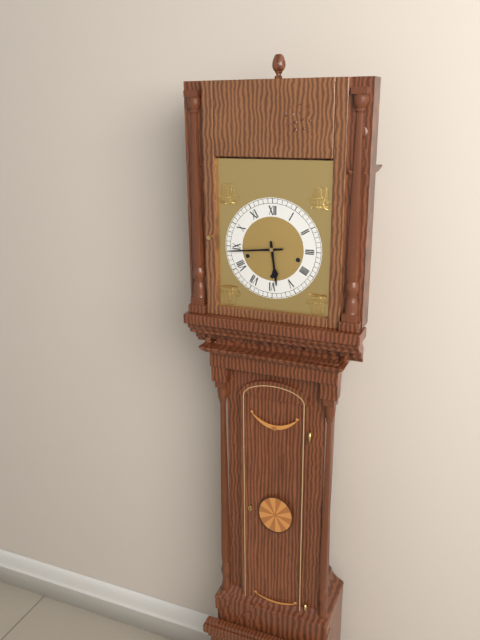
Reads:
{"hour": 5, "minute": 44}
